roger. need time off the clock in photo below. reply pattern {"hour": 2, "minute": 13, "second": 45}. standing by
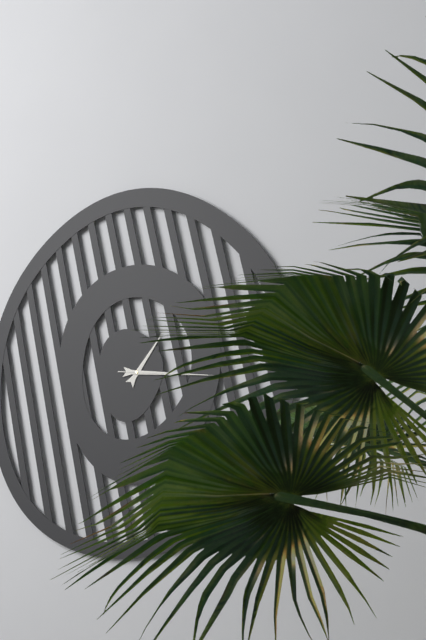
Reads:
{"hour": 1, "minute": 16, "second": 16}
